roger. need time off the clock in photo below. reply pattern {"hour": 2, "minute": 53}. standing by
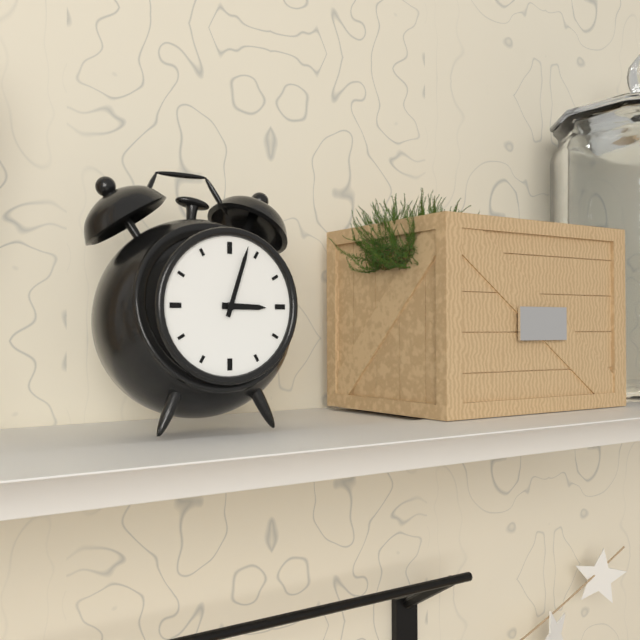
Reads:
{"hour": 3, "minute": 3}
